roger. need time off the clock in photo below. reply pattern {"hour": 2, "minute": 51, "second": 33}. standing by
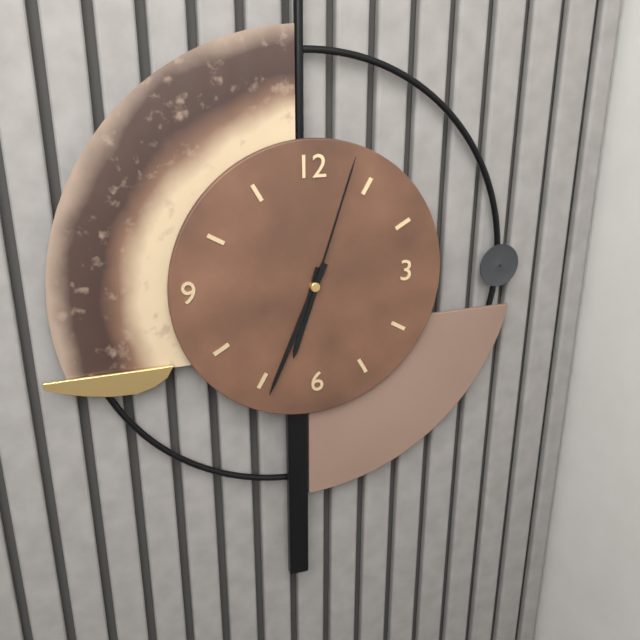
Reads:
{"hour": 6, "minute": 34, "second": 3}
